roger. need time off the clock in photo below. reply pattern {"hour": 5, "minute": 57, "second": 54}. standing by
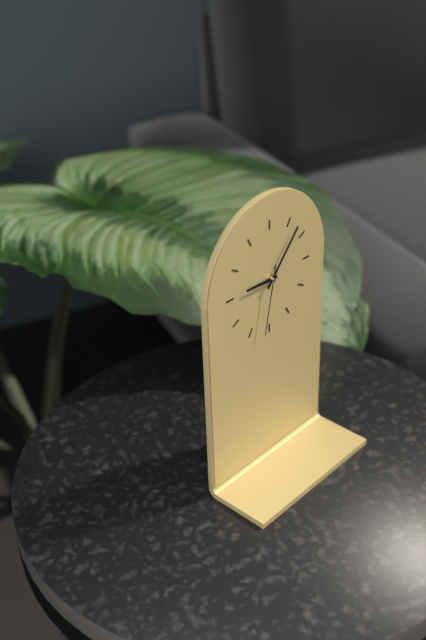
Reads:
{"hour": 9, "minute": 7, "second": 32}
